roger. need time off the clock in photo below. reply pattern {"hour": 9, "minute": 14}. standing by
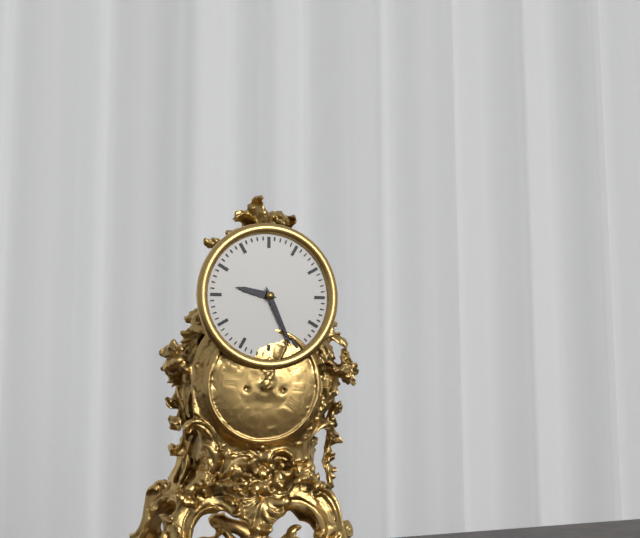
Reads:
{"hour": 9, "minute": 26}
